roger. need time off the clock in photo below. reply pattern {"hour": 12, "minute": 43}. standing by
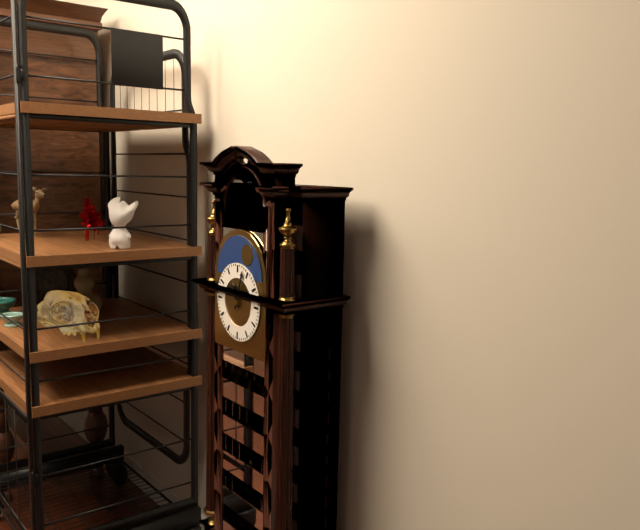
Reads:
{"hour": 11, "minute": 3}
